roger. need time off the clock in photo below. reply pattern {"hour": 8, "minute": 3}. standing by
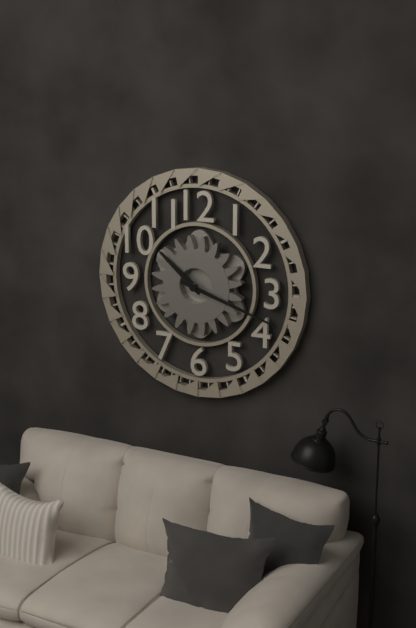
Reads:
{"hour": 10, "minute": 18}
